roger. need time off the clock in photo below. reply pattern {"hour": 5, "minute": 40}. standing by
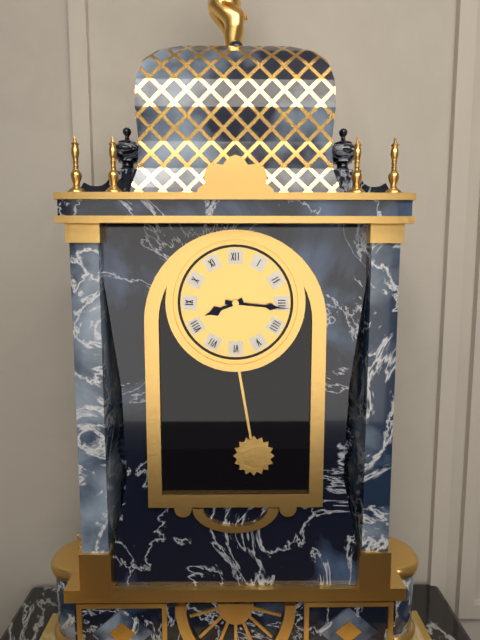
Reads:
{"hour": 8, "minute": 16}
